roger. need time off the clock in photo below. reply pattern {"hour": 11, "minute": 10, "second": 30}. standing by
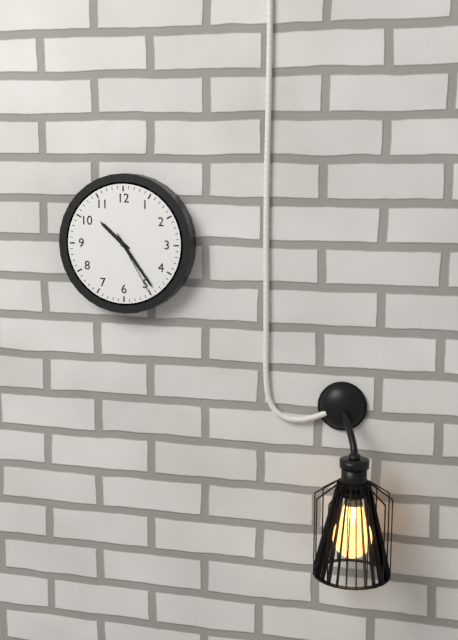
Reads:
{"hour": 10, "minute": 24, "second": 25}
